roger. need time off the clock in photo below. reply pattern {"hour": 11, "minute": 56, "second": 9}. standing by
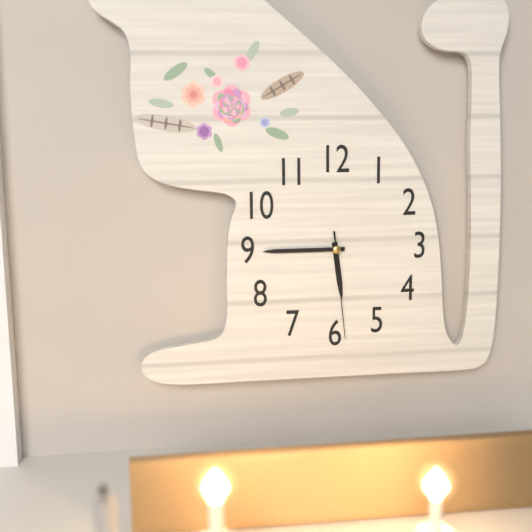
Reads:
{"hour": 5, "minute": 45, "second": 29}
